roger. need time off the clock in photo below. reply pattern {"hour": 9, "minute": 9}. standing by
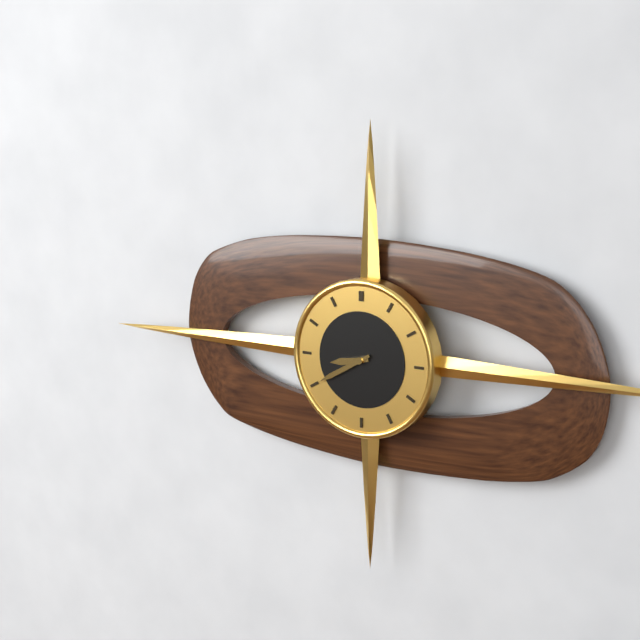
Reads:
{"hour": 8, "minute": 40}
